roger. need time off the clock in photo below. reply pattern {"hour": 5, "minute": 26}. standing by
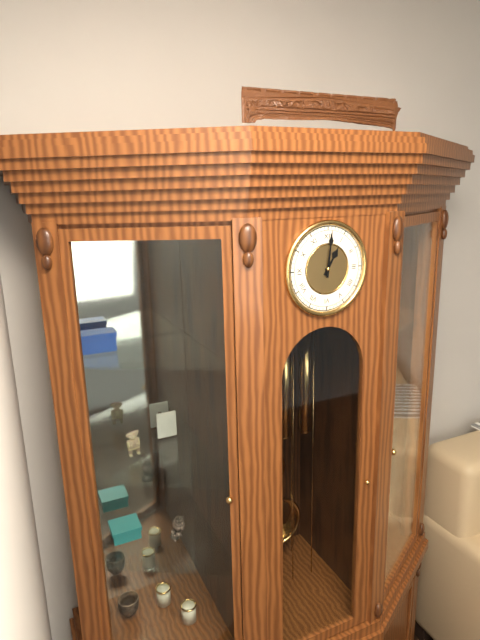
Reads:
{"hour": 1, "minute": 1}
